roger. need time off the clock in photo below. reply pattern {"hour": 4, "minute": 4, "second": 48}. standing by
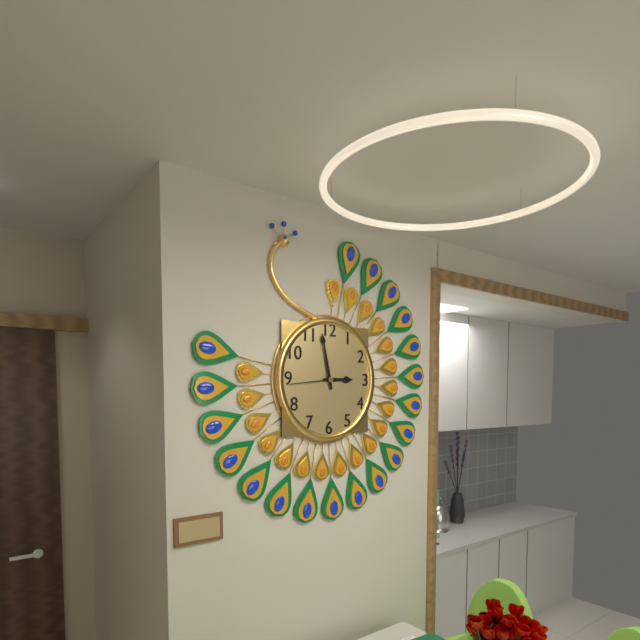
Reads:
{"hour": 2, "minute": 58, "second": 44}
